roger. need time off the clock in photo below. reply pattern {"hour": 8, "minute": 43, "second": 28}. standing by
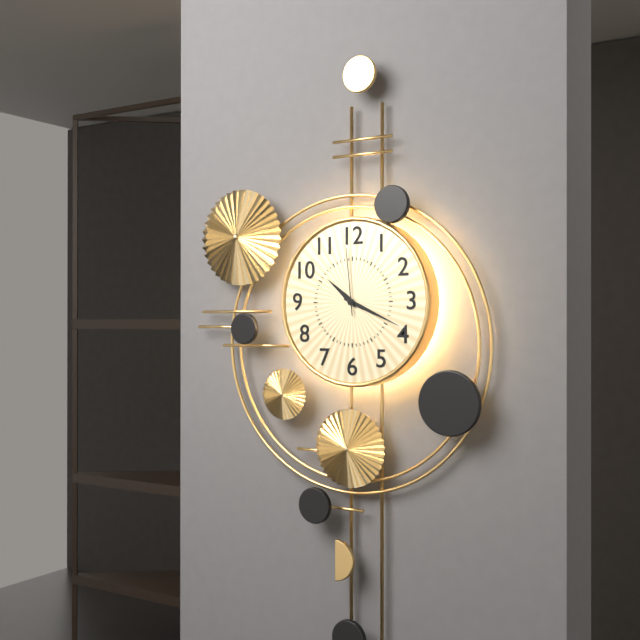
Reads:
{"hour": 10, "minute": 19, "second": 59}
